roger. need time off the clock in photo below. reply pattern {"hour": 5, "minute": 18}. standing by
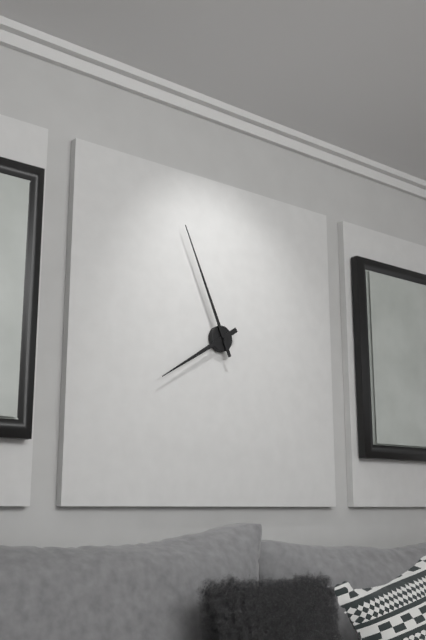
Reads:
{"hour": 7, "minute": 56}
